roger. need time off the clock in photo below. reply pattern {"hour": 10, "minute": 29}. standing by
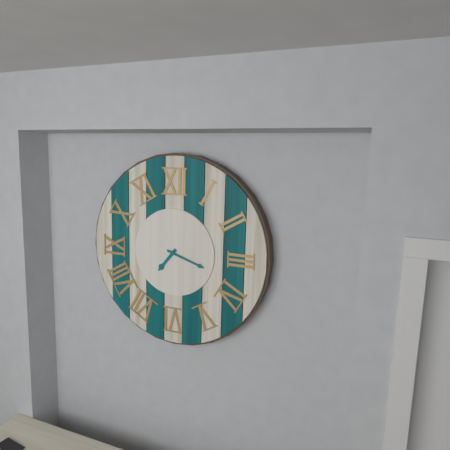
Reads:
{"hour": 7, "minute": 18}
